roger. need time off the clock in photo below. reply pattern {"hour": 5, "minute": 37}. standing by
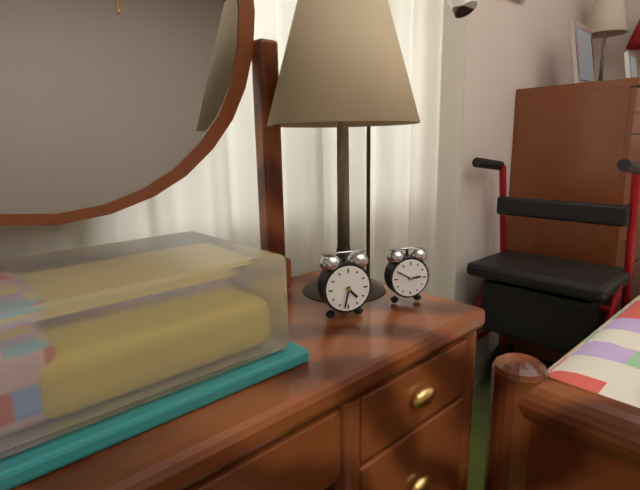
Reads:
{"hour": 4, "minute": 32}
